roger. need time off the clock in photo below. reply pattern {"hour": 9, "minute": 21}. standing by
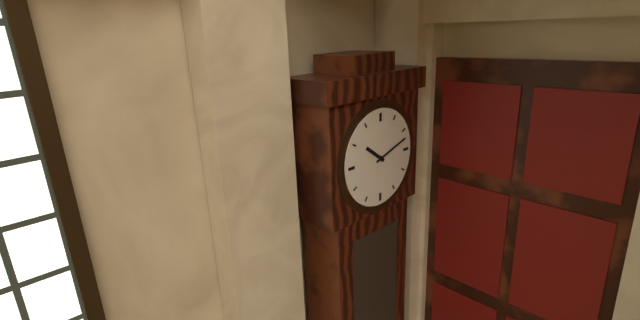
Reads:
{"hour": 10, "minute": 12}
